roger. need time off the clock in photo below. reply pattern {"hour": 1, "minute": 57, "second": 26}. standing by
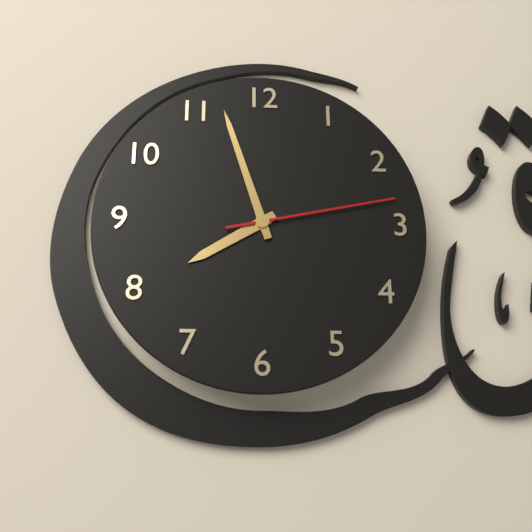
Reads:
{"hour": 7, "minute": 57, "second": 13}
